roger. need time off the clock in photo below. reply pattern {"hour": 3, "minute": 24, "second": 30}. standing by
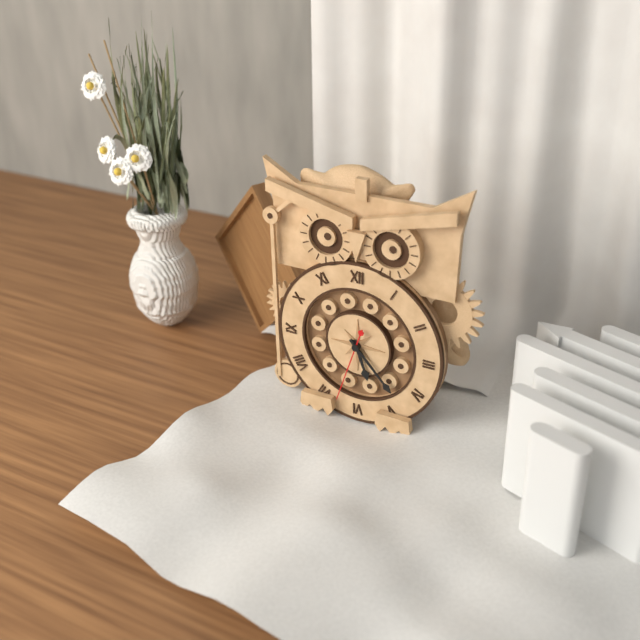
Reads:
{"hour": 5, "minute": 23, "second": 33}
